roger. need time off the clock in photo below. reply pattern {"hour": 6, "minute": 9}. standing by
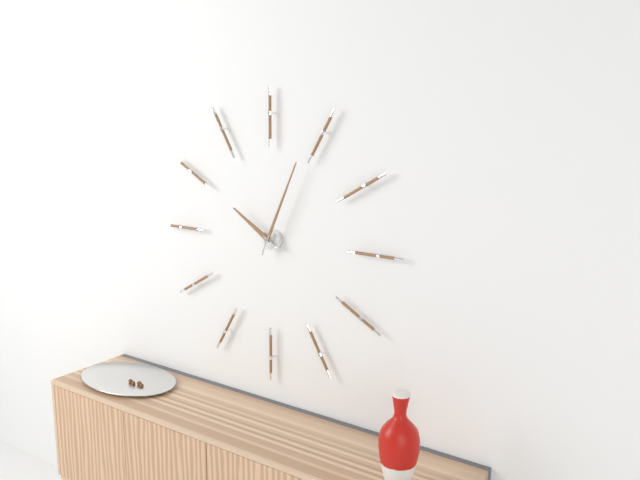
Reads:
{"hour": 10, "minute": 4}
